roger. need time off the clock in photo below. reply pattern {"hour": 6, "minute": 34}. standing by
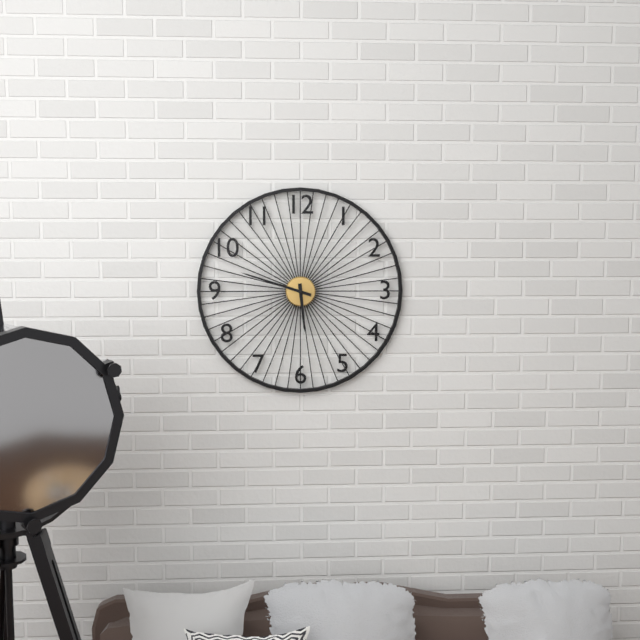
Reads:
{"hour": 5, "minute": 48}
